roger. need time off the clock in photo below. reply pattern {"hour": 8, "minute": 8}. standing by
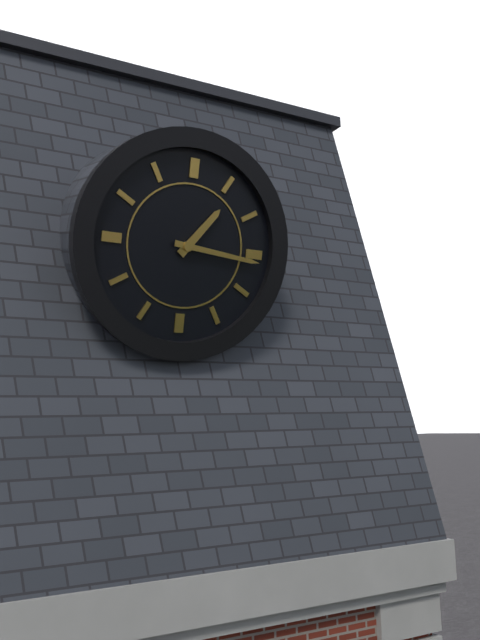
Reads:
{"hour": 1, "minute": 16}
